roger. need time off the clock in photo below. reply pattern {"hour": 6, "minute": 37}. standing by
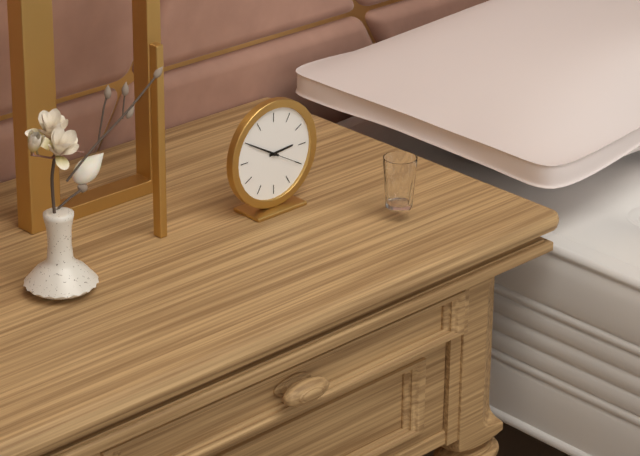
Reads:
{"hour": 2, "minute": 50}
